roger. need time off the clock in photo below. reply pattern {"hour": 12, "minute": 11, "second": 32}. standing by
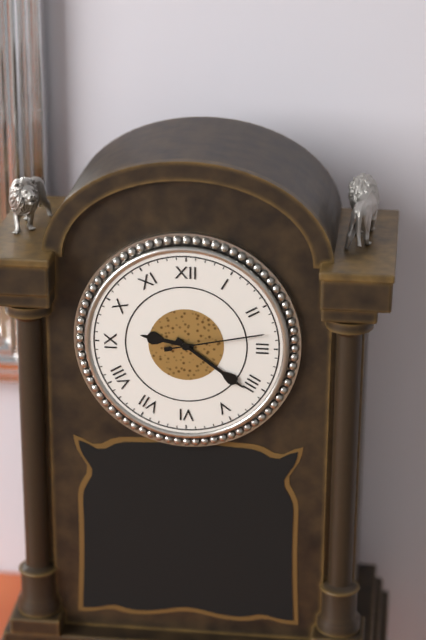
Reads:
{"hour": 9, "minute": 21, "second": 13}
